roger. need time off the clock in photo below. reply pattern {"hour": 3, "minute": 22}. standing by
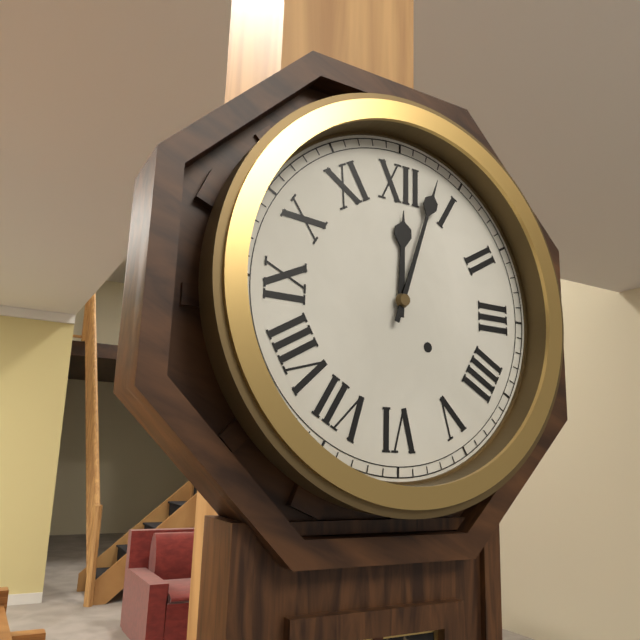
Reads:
{"hour": 12, "minute": 3}
